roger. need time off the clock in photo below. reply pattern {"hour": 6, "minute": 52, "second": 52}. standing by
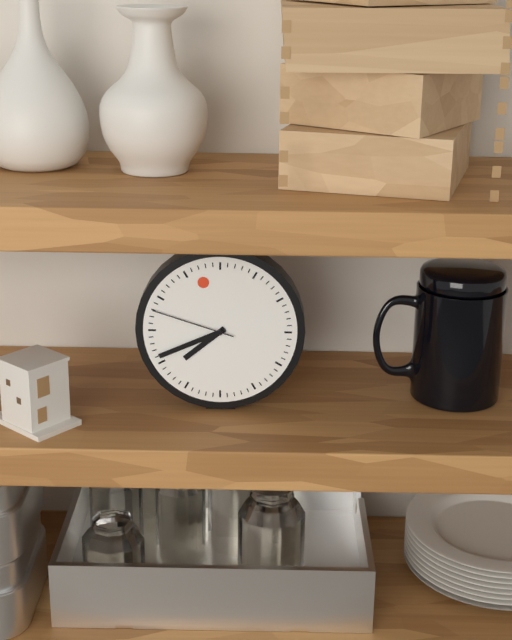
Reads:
{"hour": 7, "minute": 41, "second": 48}
